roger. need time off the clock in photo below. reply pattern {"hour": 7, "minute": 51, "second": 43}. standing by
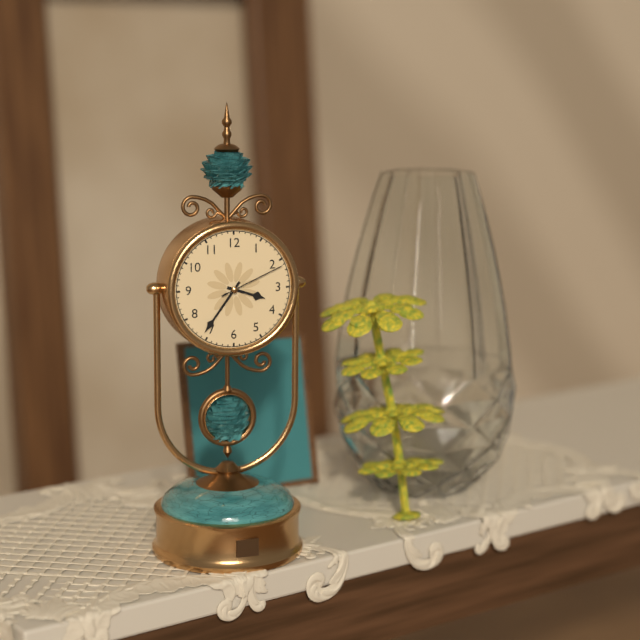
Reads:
{"hour": 3, "minute": 36, "second": 11}
